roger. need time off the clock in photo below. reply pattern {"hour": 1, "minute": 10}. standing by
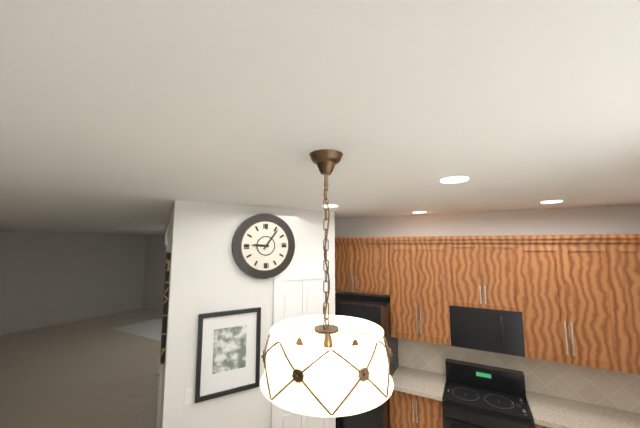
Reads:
{"hour": 9, "minute": 6}
